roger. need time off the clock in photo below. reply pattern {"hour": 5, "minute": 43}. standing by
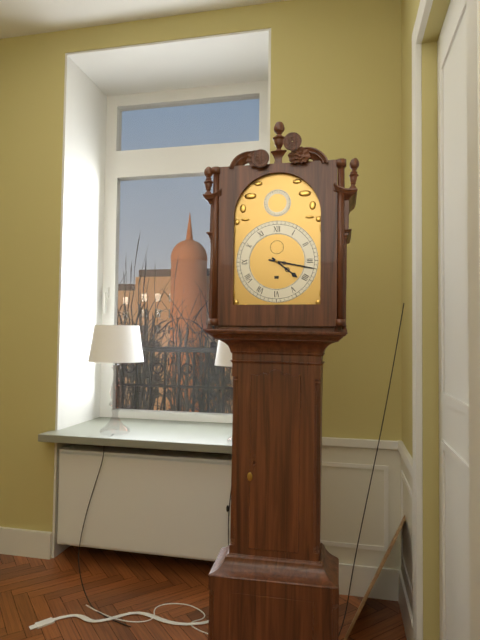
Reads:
{"hour": 4, "minute": 17}
